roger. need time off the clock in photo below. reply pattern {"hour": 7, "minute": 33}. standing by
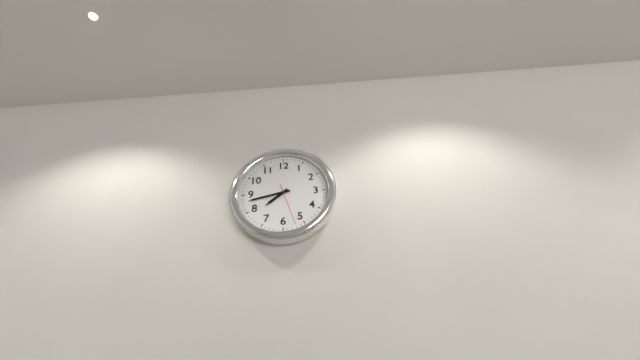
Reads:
{"hour": 7, "minute": 43}
